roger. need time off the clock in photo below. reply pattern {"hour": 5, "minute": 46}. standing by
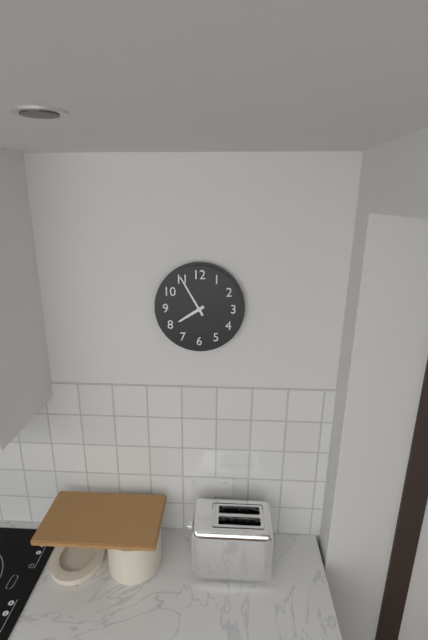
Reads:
{"hour": 7, "minute": 55}
